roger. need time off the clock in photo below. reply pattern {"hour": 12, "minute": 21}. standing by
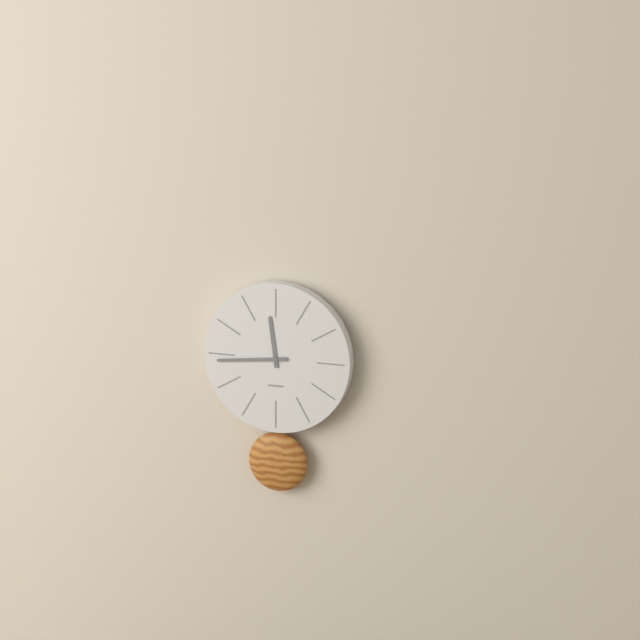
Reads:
{"hour": 11, "minute": 44}
